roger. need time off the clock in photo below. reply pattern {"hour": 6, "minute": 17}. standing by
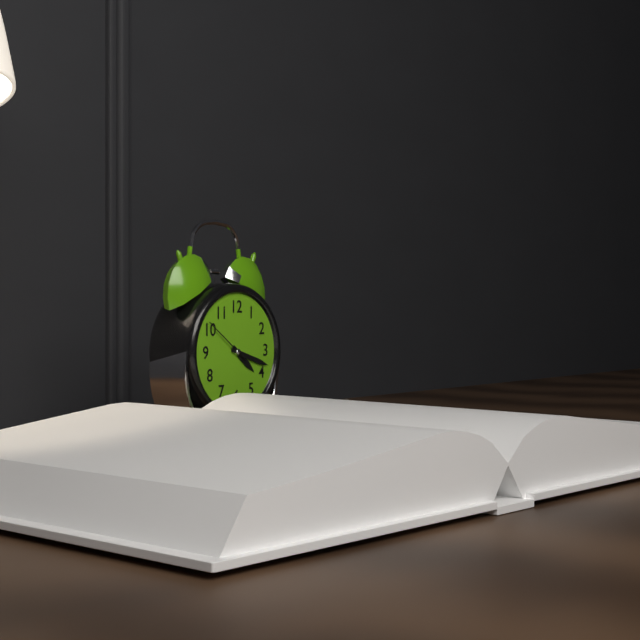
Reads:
{"hour": 4, "minute": 18}
